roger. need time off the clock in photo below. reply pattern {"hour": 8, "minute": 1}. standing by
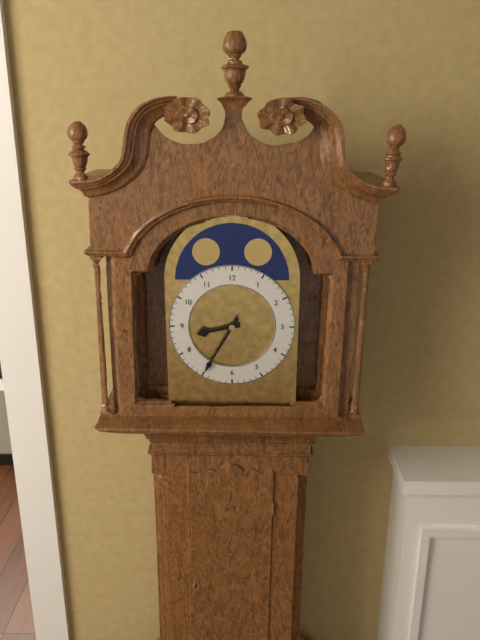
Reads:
{"hour": 8, "minute": 35}
